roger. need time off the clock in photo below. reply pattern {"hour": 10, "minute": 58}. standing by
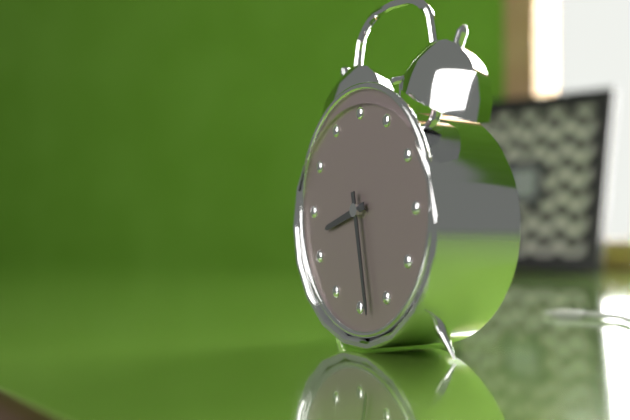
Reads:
{"hour": 8, "minute": 28}
